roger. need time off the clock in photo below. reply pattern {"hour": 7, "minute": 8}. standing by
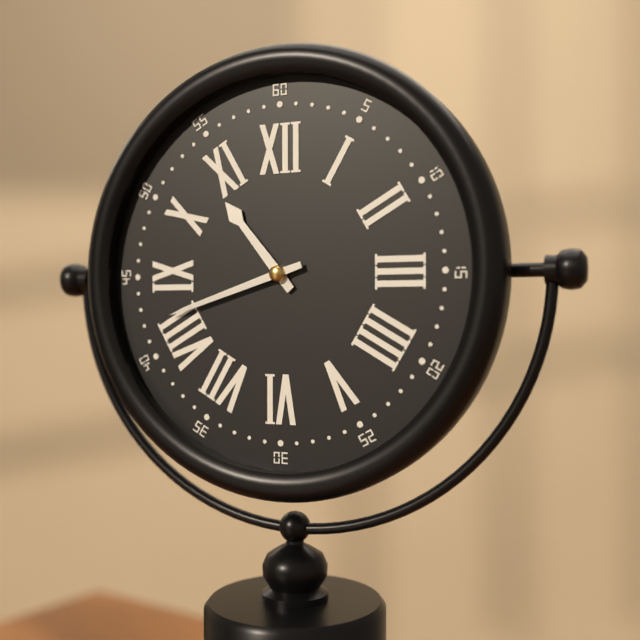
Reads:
{"hour": 10, "minute": 42}
